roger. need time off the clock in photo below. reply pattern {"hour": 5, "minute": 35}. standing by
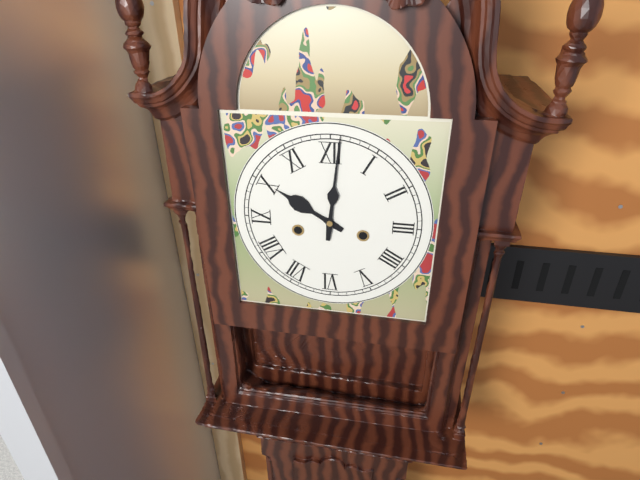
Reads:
{"hour": 10, "minute": 1}
